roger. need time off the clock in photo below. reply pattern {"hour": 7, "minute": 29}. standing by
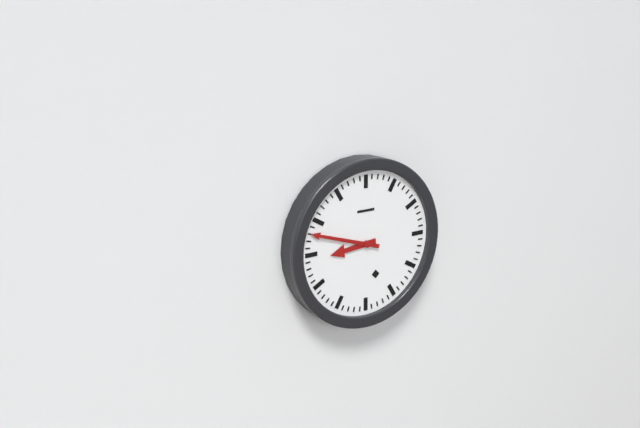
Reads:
{"hour": 8, "minute": 48}
